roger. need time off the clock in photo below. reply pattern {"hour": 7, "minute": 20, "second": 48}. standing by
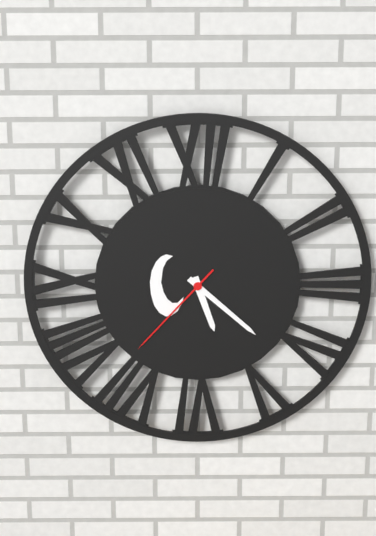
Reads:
{"hour": 5, "minute": 22, "second": 37}
